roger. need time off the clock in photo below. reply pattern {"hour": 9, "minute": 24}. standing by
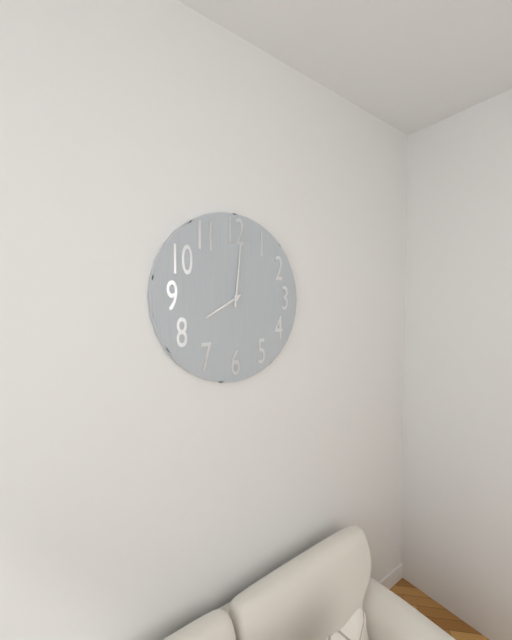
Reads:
{"hour": 8, "minute": 1}
